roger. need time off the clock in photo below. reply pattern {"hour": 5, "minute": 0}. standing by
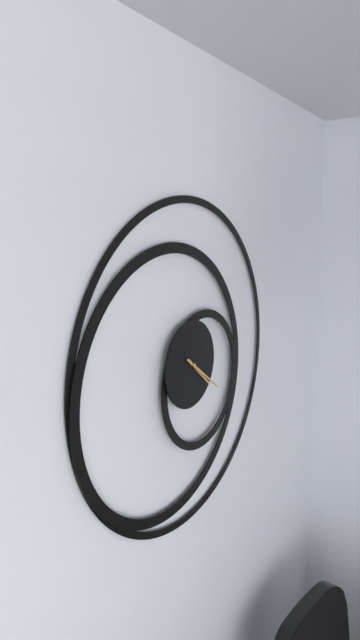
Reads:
{"hour": 4, "minute": 21}
